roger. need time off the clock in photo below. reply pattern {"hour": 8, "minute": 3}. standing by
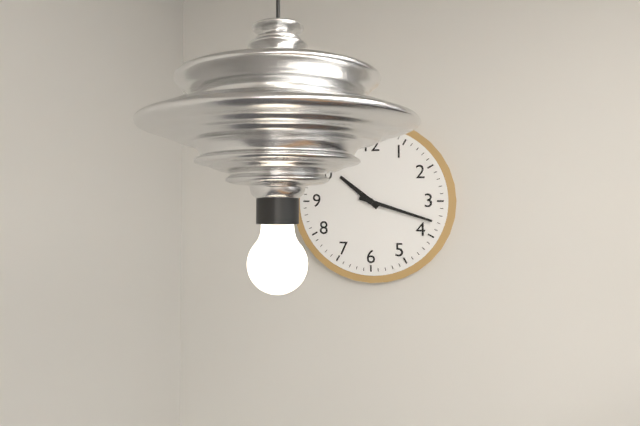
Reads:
{"hour": 10, "minute": 18}
